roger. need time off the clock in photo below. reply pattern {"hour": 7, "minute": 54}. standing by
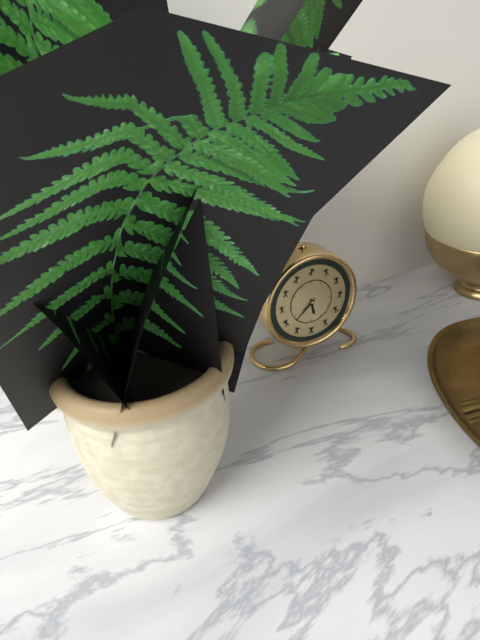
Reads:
{"hour": 5, "minute": 38}
